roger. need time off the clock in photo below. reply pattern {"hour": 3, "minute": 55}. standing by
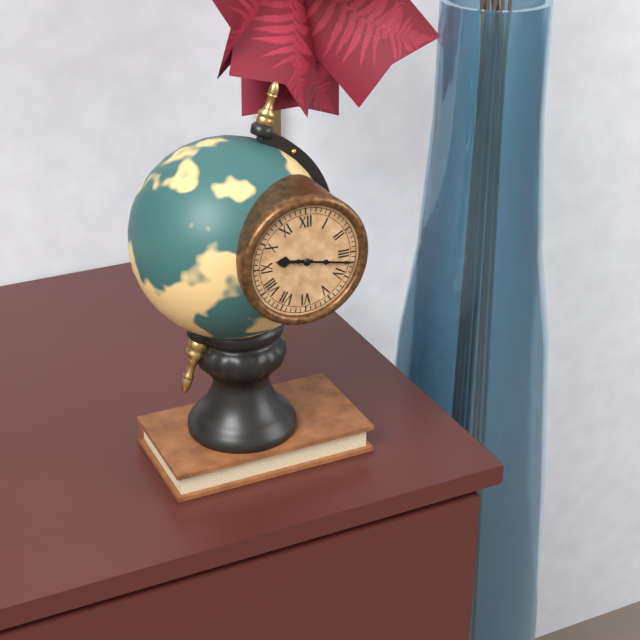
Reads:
{"hour": 9, "minute": 17}
